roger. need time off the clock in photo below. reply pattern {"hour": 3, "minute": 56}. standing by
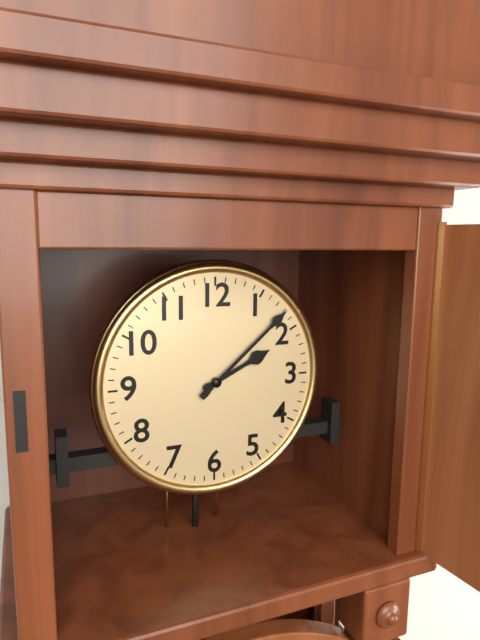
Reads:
{"hour": 2, "minute": 8}
